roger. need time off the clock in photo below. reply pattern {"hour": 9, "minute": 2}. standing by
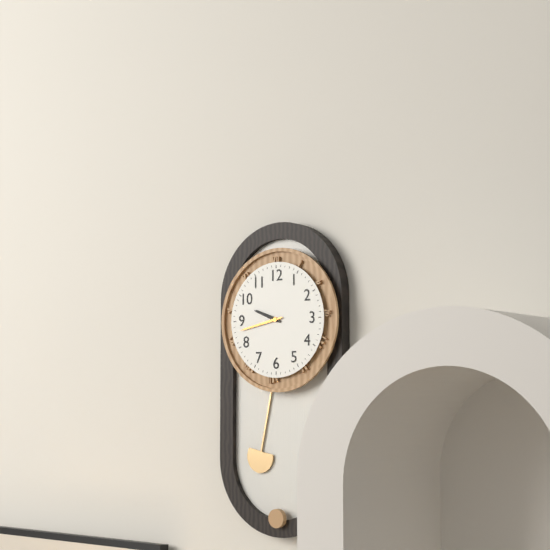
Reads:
{"hour": 9, "minute": 43}
